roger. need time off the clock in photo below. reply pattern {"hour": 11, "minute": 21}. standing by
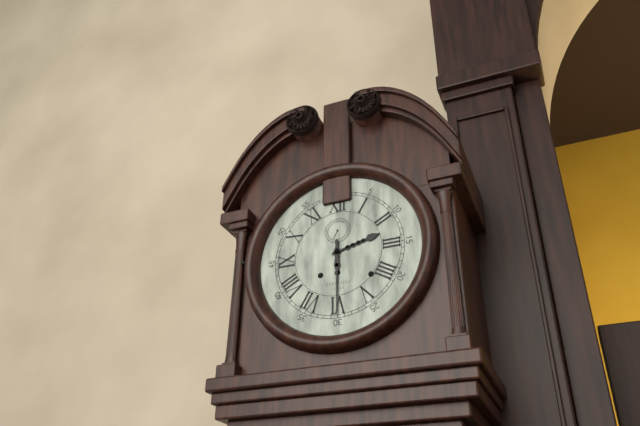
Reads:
{"hour": 2, "minute": 30}
